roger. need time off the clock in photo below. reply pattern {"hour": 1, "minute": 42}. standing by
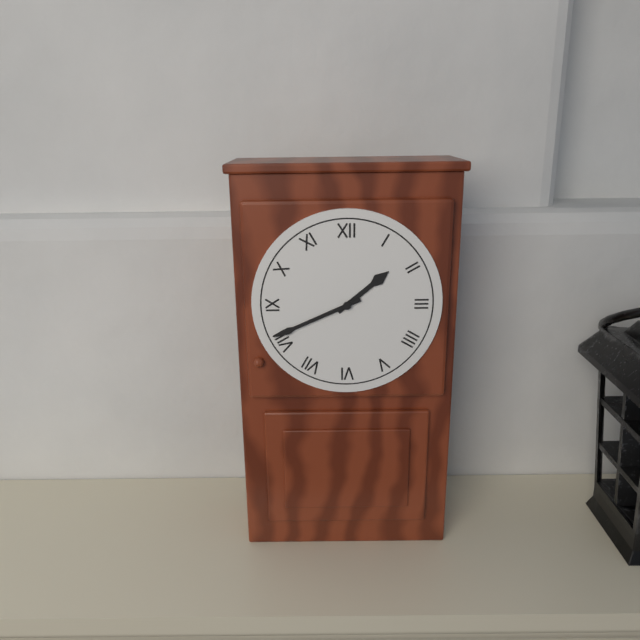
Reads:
{"hour": 1, "minute": 41}
